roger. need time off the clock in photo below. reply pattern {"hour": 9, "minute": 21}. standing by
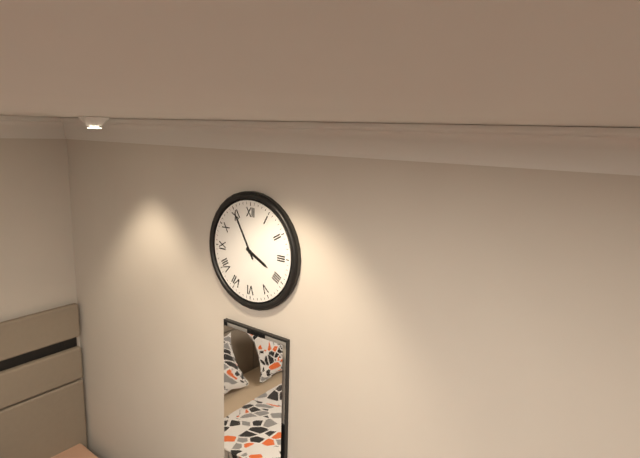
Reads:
{"hour": 3, "minute": 55}
